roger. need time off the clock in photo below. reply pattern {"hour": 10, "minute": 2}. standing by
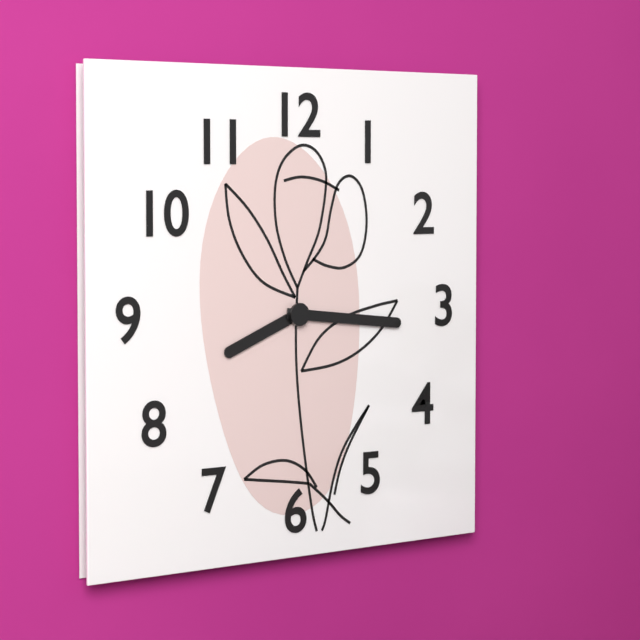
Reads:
{"hour": 8, "minute": 16}
